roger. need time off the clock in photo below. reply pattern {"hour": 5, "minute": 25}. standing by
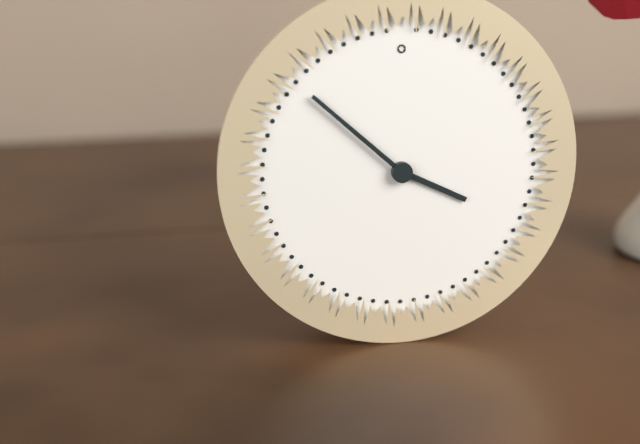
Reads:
{"hour": 3, "minute": 52}
